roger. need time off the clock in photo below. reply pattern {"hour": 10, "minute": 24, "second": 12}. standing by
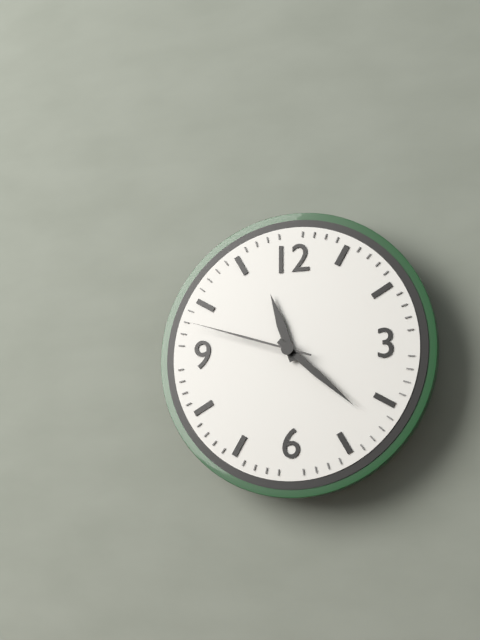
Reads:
{"hour": 11, "minute": 22, "second": 48}
